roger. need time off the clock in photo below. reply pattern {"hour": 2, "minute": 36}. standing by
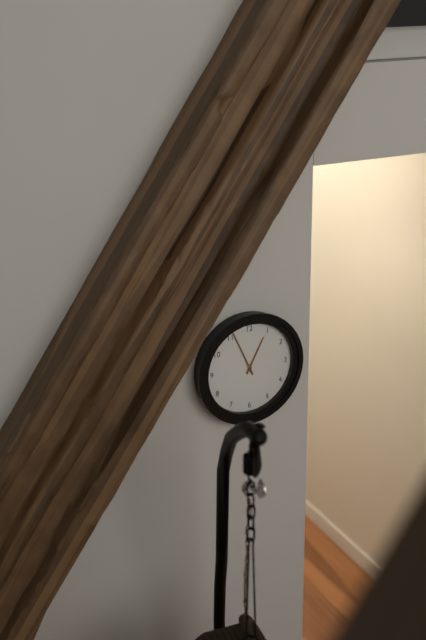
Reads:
{"hour": 12, "minute": 56}
